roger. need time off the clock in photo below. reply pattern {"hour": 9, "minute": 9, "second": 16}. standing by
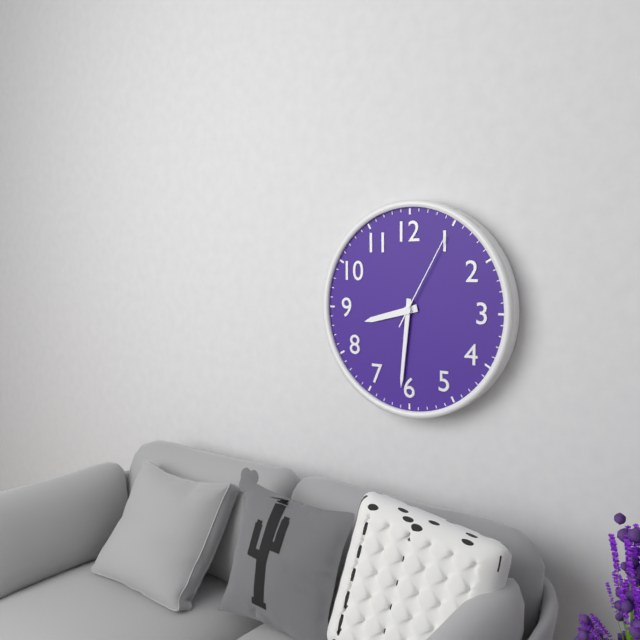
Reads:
{"hour": 8, "minute": 31, "second": 5}
